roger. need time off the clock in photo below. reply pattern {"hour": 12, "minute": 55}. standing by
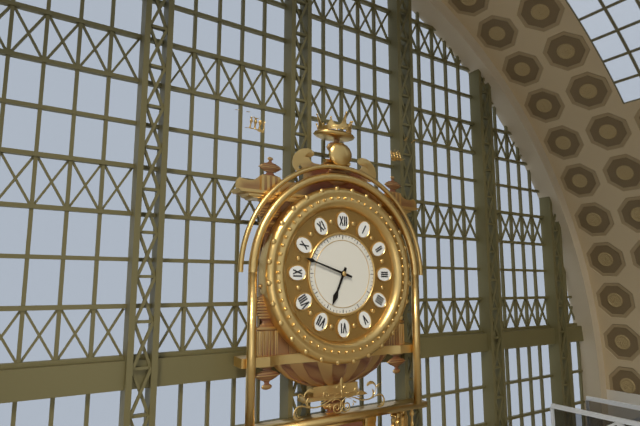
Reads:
{"hour": 6, "minute": 48}
